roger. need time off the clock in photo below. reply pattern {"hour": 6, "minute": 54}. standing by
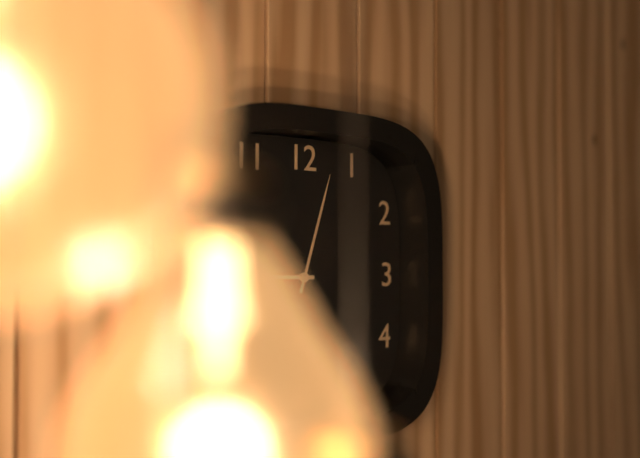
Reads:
{"hour": 9, "minute": 3}
